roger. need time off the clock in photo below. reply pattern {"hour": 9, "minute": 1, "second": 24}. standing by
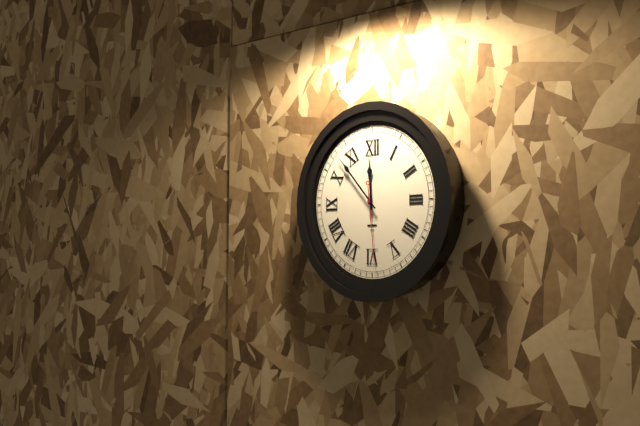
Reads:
{"hour": 11, "minute": 53, "second": 29}
